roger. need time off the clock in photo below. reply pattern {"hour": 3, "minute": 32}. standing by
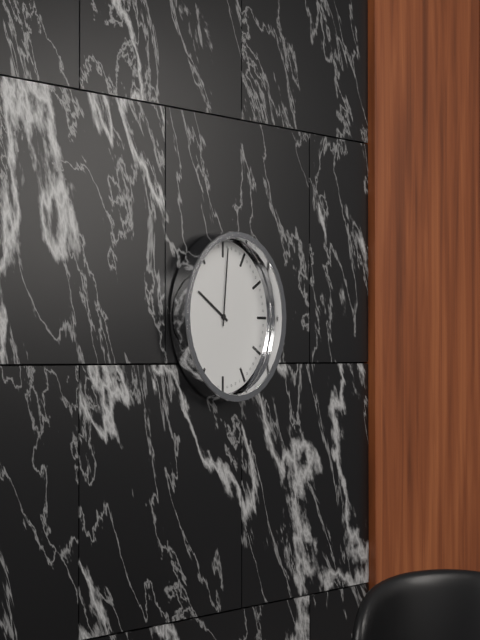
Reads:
{"hour": 10, "minute": 1}
